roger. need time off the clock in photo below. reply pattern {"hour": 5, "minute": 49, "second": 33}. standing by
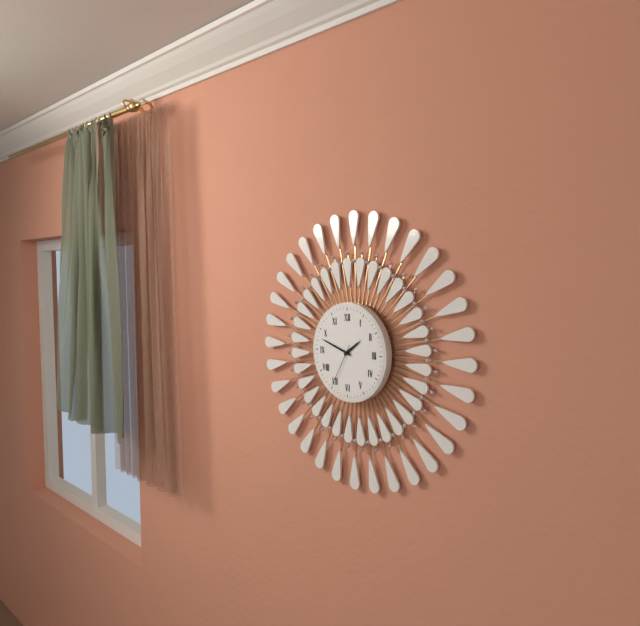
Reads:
{"hour": 1, "minute": 48, "second": 35}
